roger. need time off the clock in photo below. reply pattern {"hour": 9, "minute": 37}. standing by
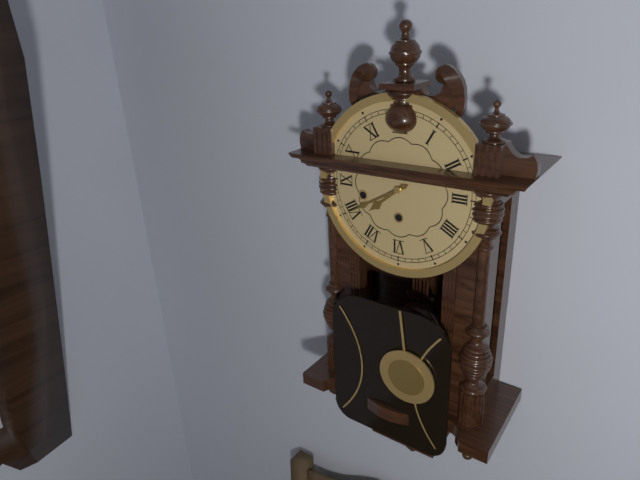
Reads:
{"hour": 7, "minute": 40}
